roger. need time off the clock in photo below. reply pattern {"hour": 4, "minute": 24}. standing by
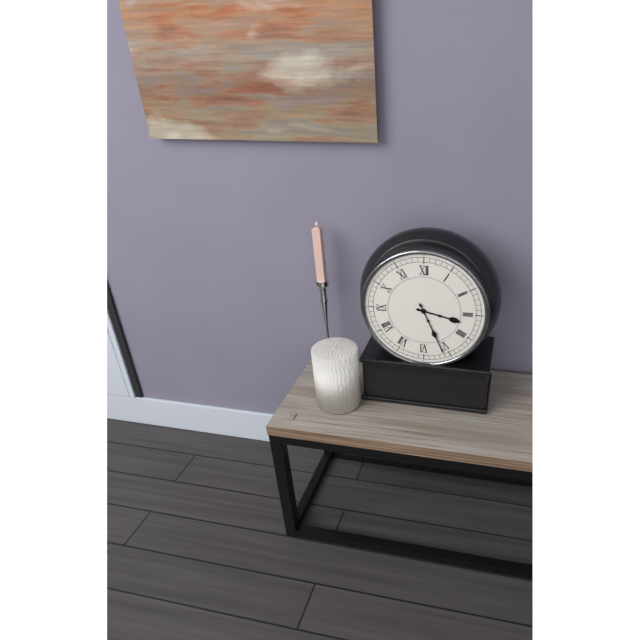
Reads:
{"hour": 3, "minute": 26}
